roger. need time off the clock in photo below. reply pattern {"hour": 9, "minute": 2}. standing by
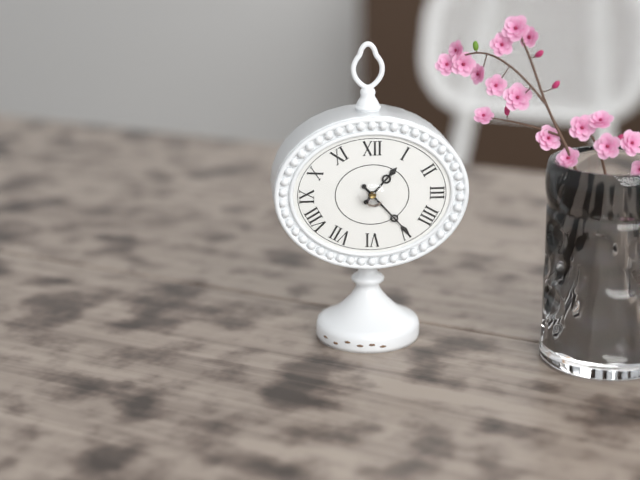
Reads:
{"hour": 1, "minute": 23}
